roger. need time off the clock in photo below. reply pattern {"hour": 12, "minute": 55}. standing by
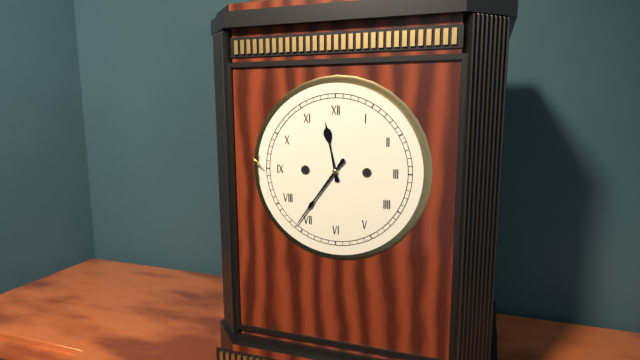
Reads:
{"hour": 11, "minute": 36}
